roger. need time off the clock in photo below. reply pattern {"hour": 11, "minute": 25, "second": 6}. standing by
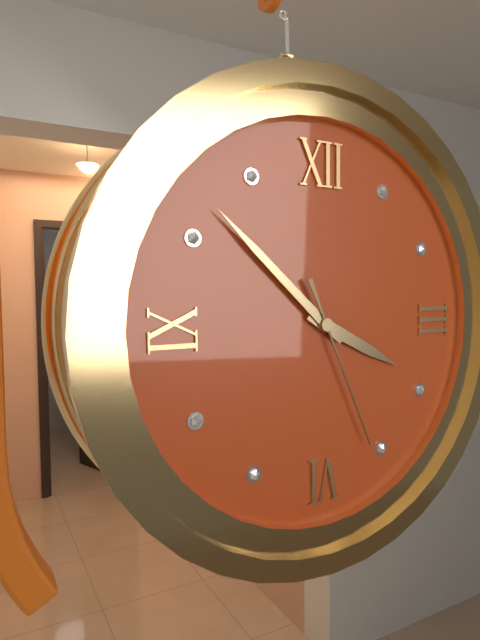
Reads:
{"hour": 3, "minute": 52, "second": 26}
